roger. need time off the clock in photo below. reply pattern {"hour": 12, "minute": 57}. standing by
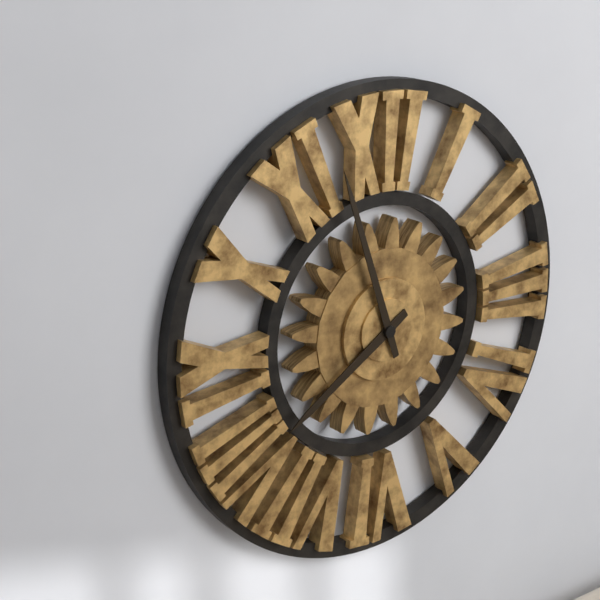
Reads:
{"hour": 7, "minute": 57}
